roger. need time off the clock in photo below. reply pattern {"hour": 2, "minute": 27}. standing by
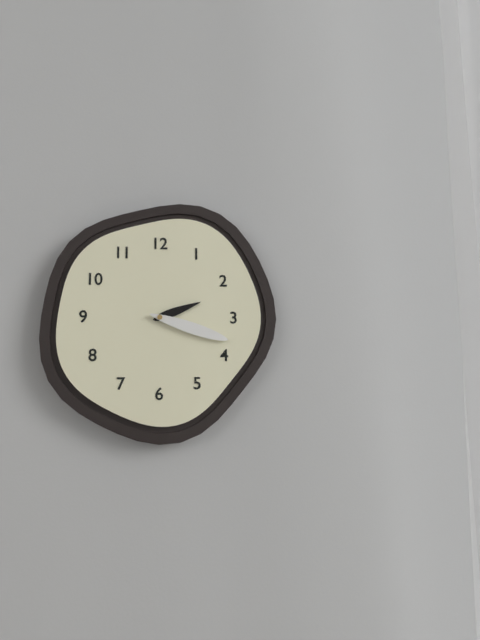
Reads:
{"hour": 2, "minute": 18}
